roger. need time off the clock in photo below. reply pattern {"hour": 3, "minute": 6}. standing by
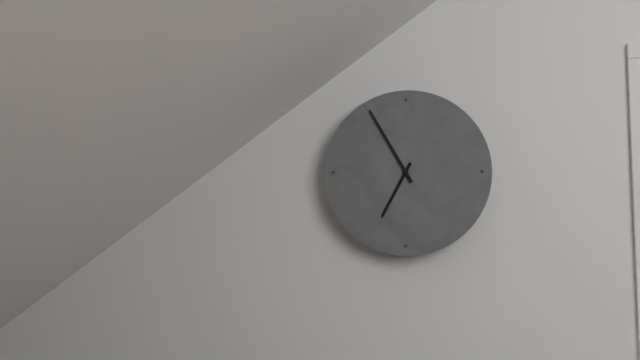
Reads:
{"hour": 6, "minute": 55}
